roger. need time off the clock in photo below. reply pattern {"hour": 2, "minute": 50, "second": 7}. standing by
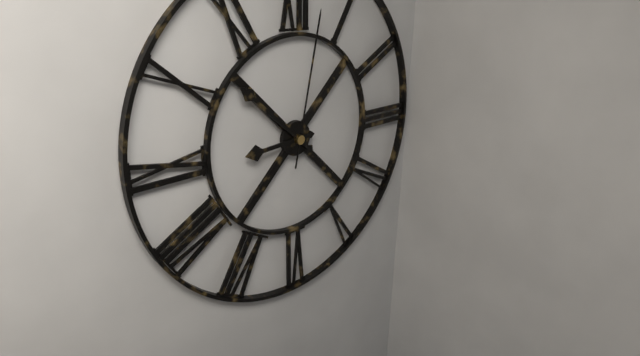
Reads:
{"hour": 8, "minute": 52, "second": 2}
